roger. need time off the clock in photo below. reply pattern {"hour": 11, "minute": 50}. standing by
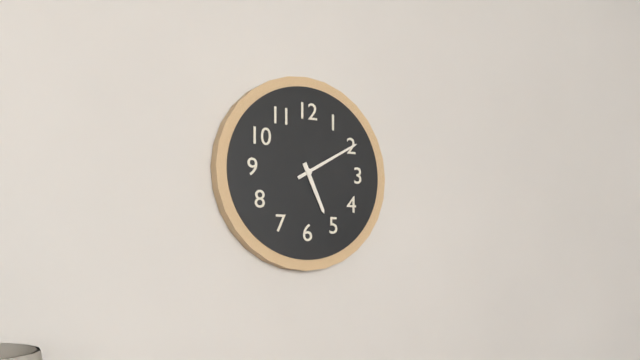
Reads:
{"hour": 5, "minute": 10}
